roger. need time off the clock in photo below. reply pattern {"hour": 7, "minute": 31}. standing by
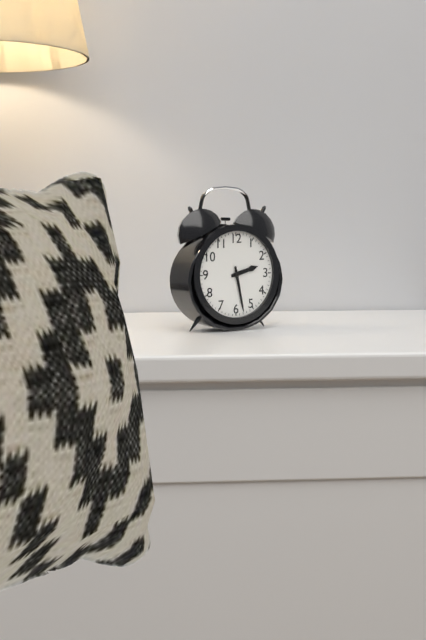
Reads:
{"hour": 2, "minute": 28}
